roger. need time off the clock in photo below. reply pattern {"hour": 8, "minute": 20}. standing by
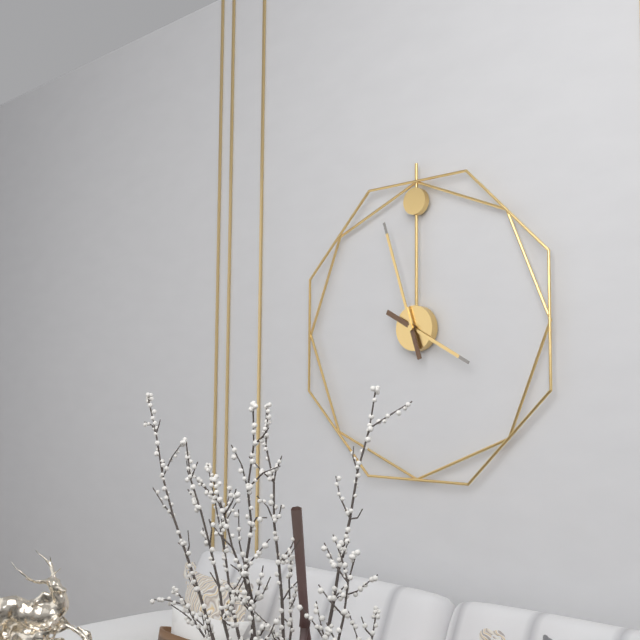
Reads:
{"hour": 3, "minute": 57}
